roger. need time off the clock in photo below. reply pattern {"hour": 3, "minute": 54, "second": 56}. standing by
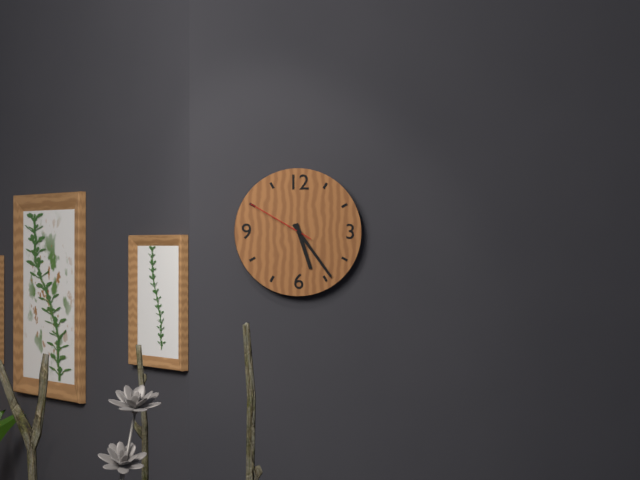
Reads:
{"hour": 5, "minute": 24, "second": 50}
